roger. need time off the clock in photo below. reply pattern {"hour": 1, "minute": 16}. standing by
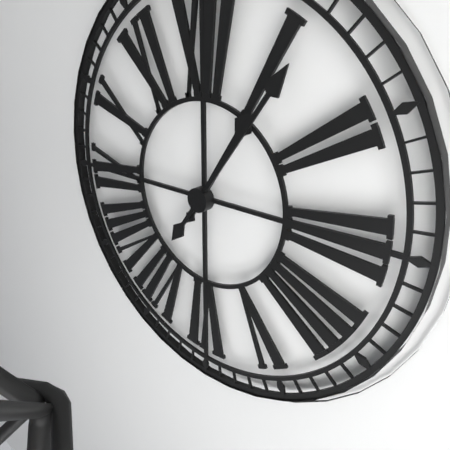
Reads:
{"hour": 1, "minute": 6}
